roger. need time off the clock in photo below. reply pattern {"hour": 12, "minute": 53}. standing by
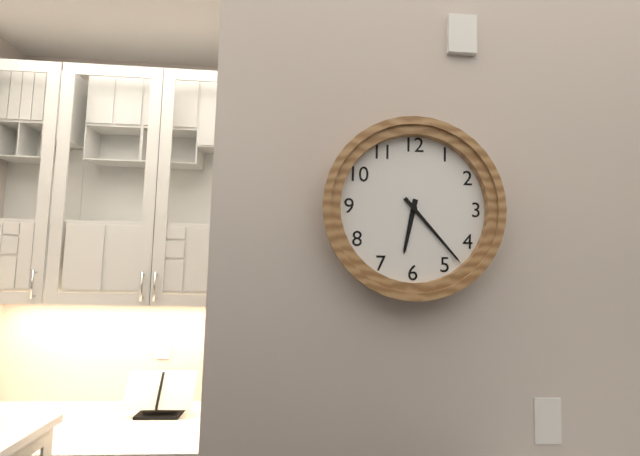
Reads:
{"hour": 6, "minute": 23}
